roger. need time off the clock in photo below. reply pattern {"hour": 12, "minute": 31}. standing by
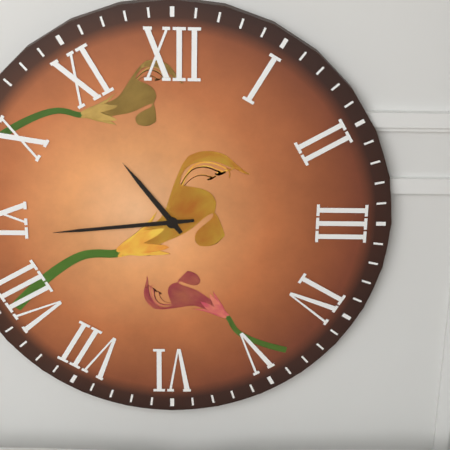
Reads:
{"hour": 10, "minute": 44}
